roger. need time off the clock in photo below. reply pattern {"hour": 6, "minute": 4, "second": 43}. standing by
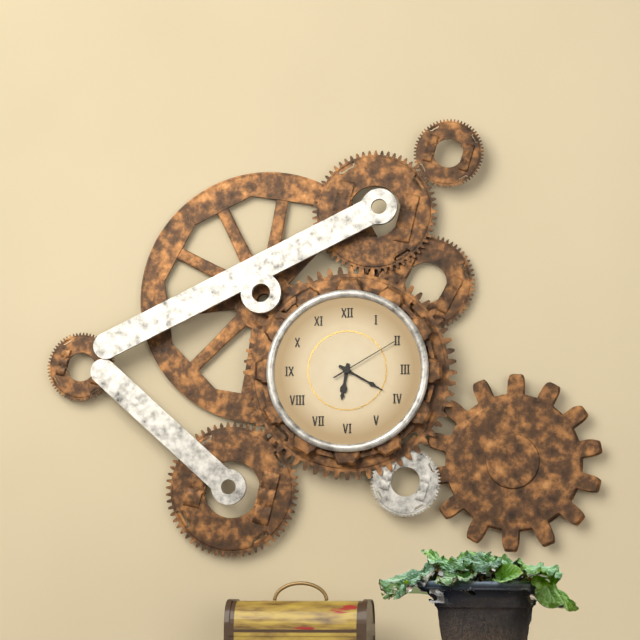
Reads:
{"hour": 6, "minute": 20, "second": 10}
